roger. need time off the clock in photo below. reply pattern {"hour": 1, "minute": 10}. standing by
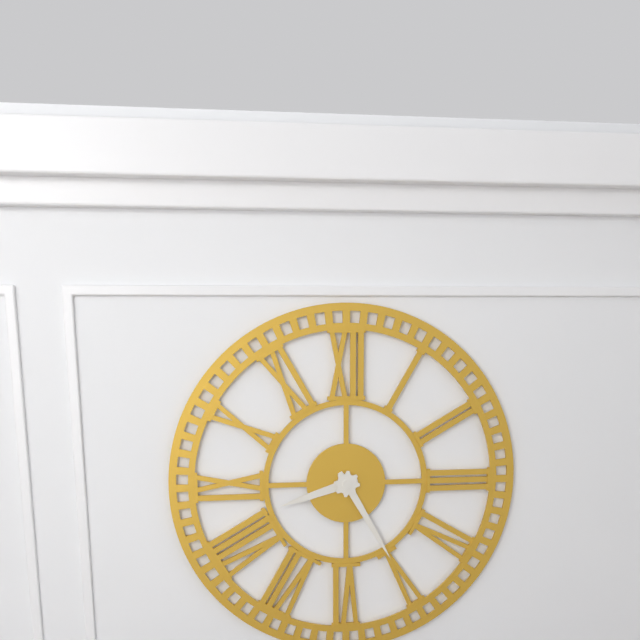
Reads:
{"hour": 8, "minute": 25}
